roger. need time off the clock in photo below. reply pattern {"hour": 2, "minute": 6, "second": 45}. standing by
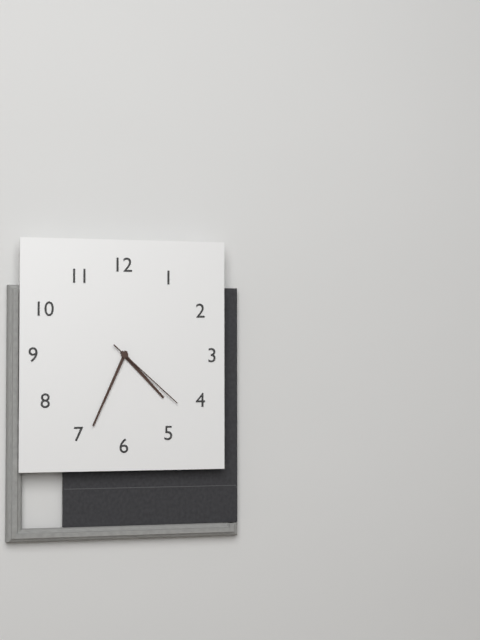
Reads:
{"hour": 4, "minute": 34, "second": 22}
